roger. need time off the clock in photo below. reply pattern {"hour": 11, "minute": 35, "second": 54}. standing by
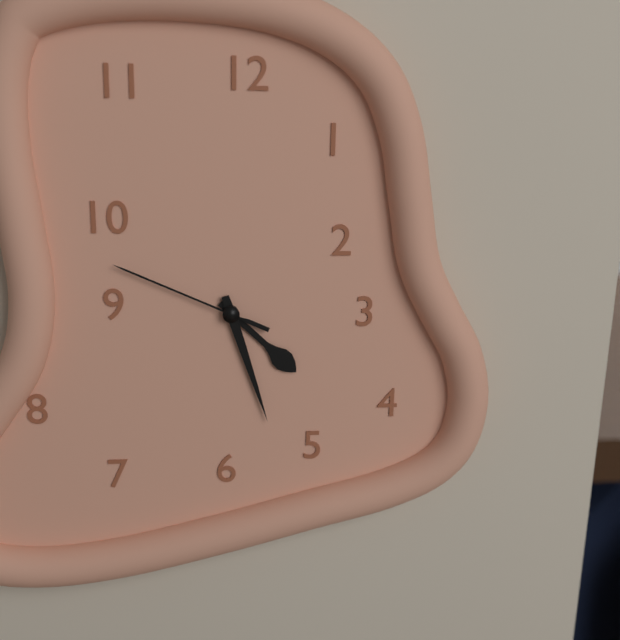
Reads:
{"hour": 4, "minute": 27, "second": 49}
